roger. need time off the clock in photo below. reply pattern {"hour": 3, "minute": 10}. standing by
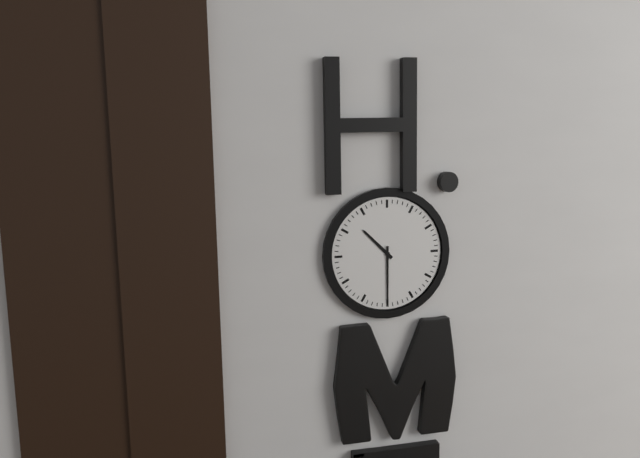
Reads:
{"hour": 10, "minute": 30}
